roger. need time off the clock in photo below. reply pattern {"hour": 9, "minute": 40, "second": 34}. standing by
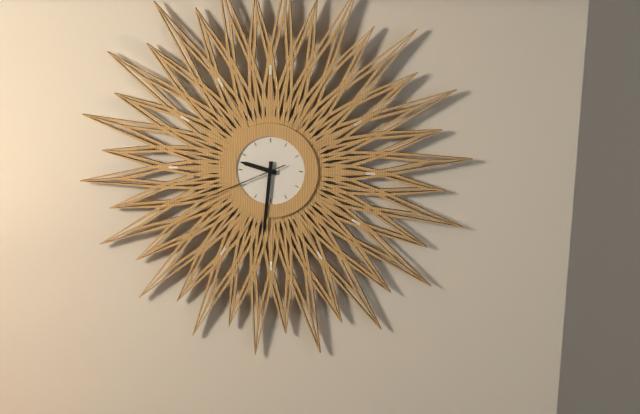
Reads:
{"hour": 9, "minute": 31, "second": 41}
